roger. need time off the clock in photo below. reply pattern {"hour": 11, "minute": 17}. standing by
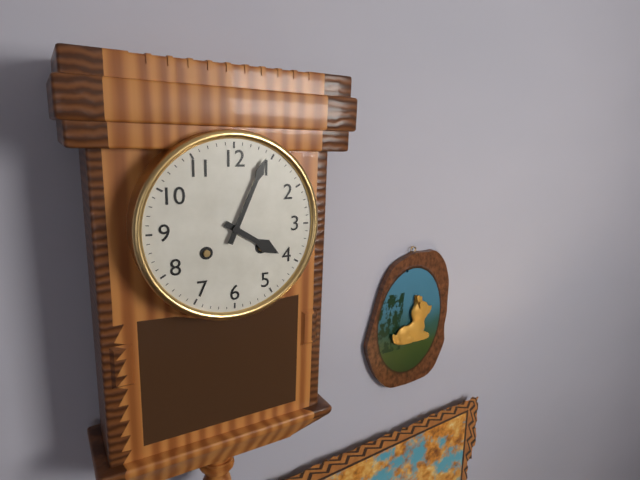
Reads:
{"hour": 4, "minute": 4}
